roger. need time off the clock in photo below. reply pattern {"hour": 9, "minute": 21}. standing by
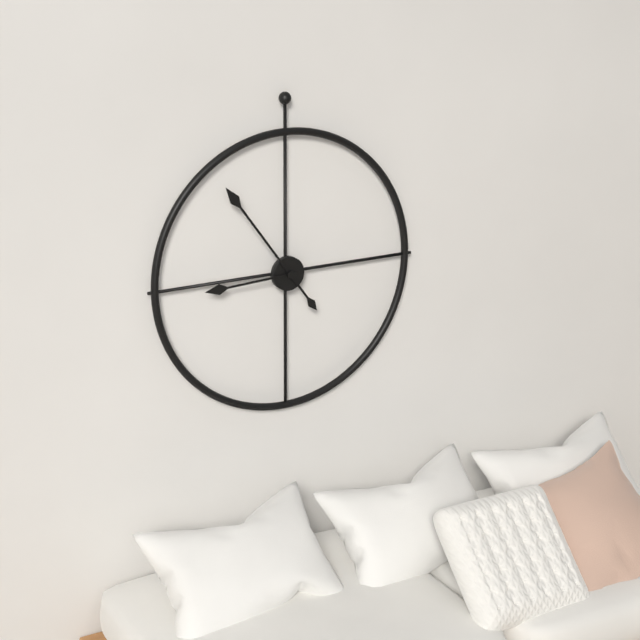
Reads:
{"hour": 8, "minute": 54}
